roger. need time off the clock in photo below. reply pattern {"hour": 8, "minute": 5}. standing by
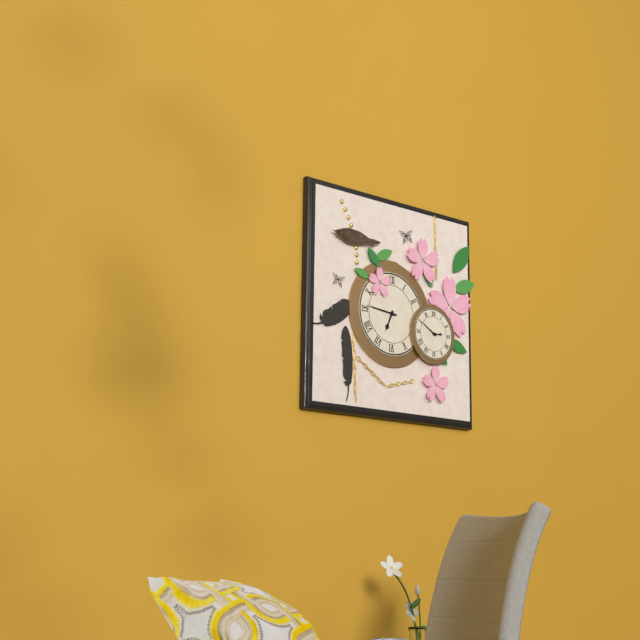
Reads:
{"hour": 6, "minute": 46}
